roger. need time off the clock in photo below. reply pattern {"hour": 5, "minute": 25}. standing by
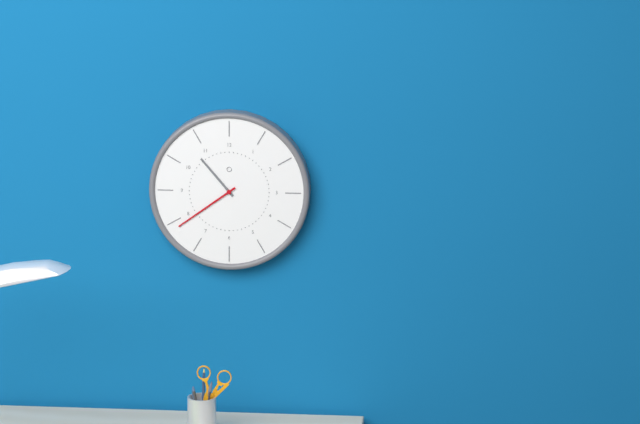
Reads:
{"hour": 10, "minute": 39}
